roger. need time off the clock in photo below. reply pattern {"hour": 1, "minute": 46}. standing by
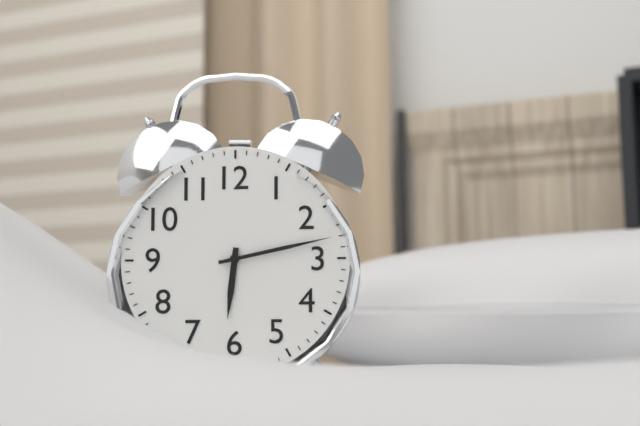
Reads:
{"hour": 6, "minute": 13}
